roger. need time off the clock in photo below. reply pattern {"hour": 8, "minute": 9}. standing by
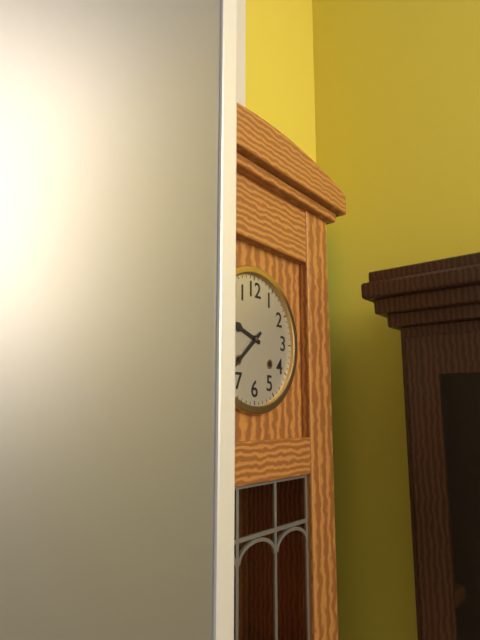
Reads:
{"hour": 9, "minute": 38}
